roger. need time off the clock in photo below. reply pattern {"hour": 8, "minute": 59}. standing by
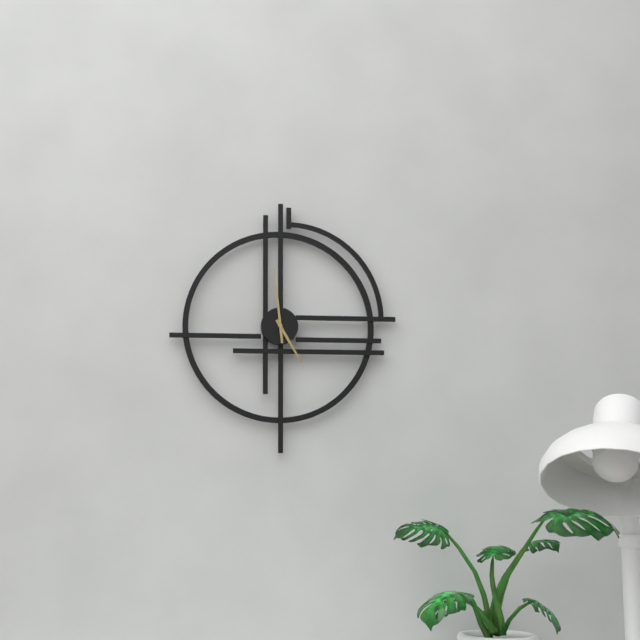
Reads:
{"hour": 4, "minute": 59}
